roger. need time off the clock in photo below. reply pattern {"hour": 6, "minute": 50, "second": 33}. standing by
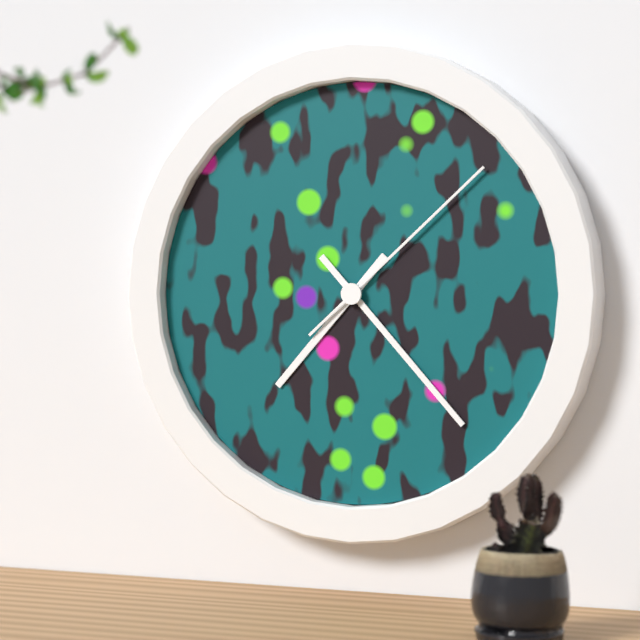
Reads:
{"hour": 7, "minute": 23, "second": 8}
